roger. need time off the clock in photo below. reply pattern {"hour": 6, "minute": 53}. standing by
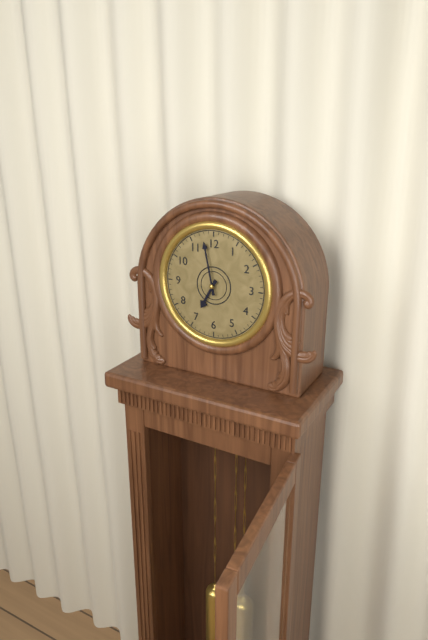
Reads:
{"hour": 6, "minute": 58}
